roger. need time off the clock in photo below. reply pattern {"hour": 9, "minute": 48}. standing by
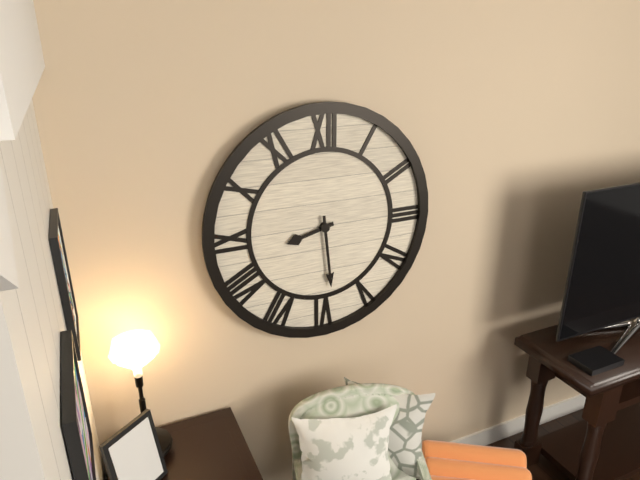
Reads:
{"hour": 8, "minute": 29}
